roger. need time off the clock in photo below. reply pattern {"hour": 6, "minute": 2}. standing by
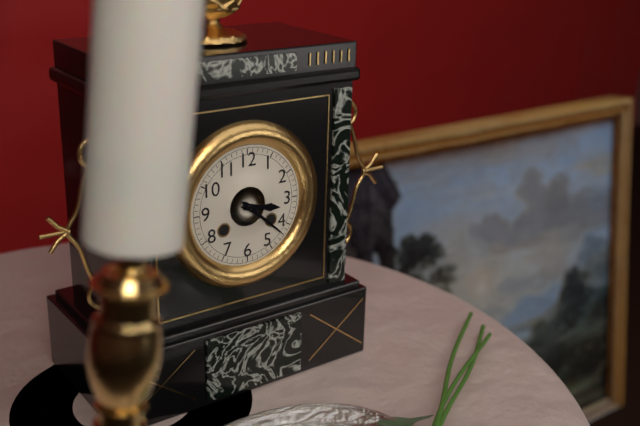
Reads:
{"hour": 3, "minute": 22}
